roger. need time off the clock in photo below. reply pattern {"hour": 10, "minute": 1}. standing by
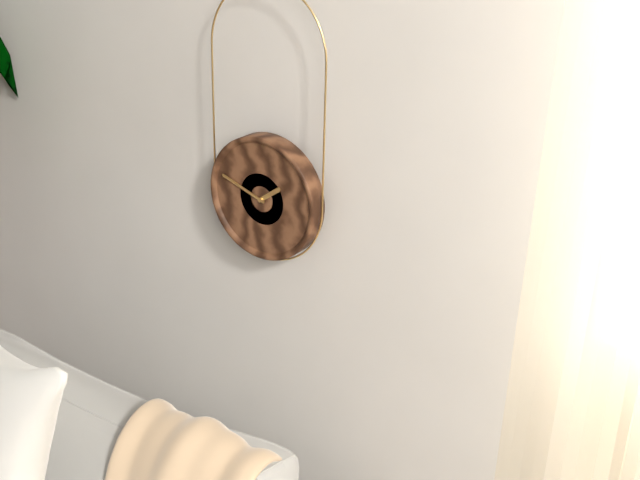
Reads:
{"hour": 1, "minute": 48}
